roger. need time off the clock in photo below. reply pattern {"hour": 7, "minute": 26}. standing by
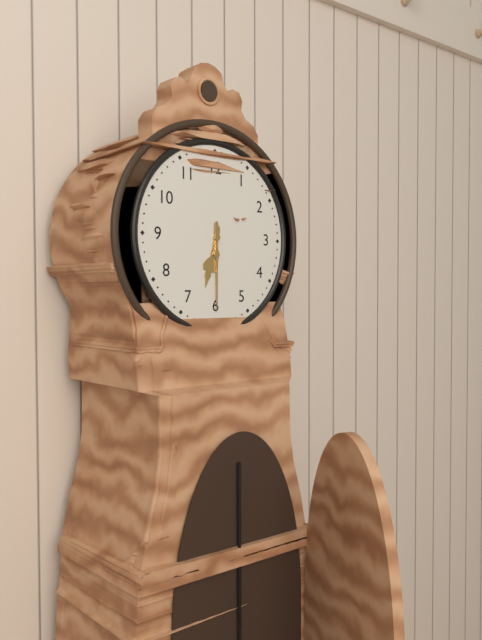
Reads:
{"hour": 6, "minute": 30}
